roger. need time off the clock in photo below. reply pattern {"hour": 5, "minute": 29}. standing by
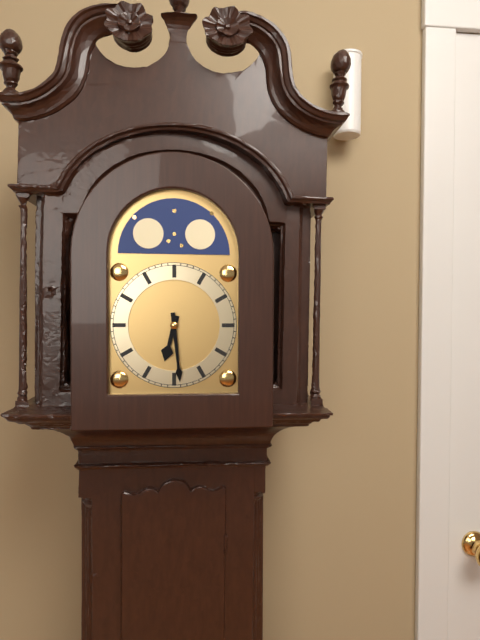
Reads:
{"hour": 6, "minute": 29}
